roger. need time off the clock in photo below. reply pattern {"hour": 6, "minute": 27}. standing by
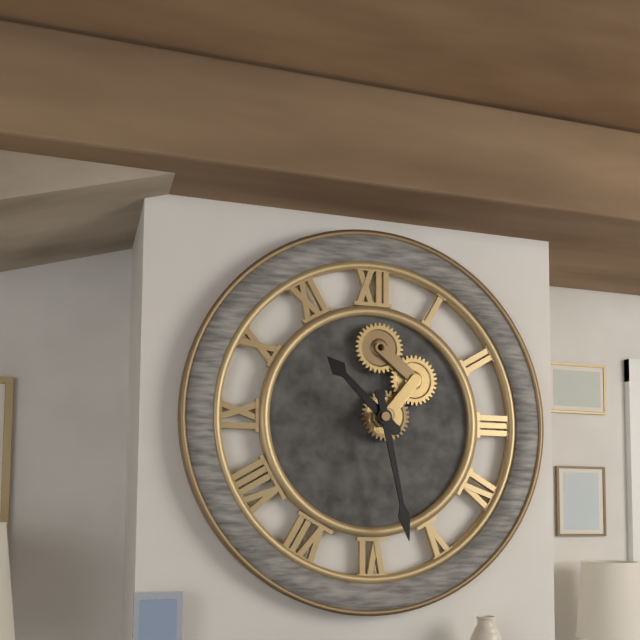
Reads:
{"hour": 10, "minute": 28}
